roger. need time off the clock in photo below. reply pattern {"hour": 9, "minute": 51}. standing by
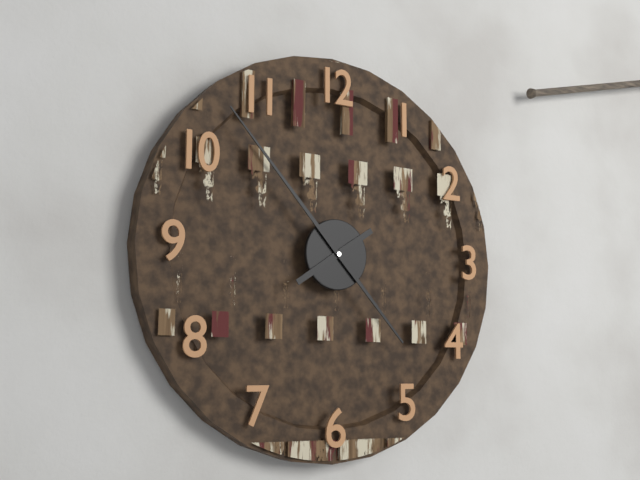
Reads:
{"hour": 7, "minute": 53}
